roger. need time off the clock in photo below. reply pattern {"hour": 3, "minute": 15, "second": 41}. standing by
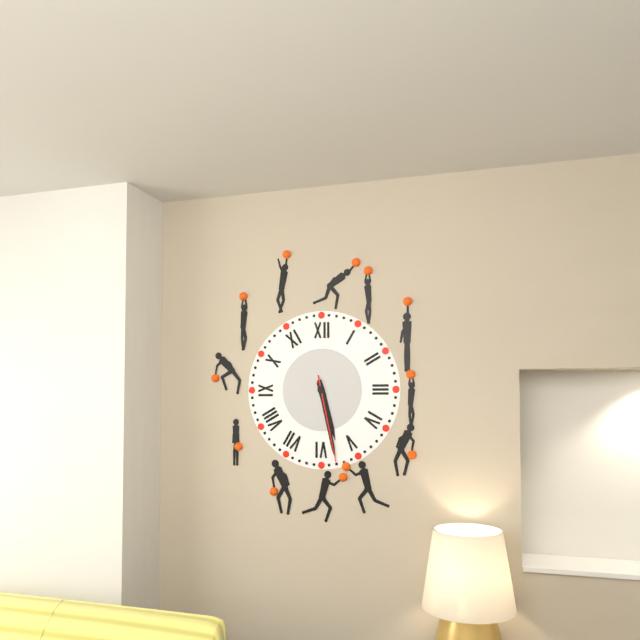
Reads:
{"hour": 5, "minute": 28, "second": 28}
